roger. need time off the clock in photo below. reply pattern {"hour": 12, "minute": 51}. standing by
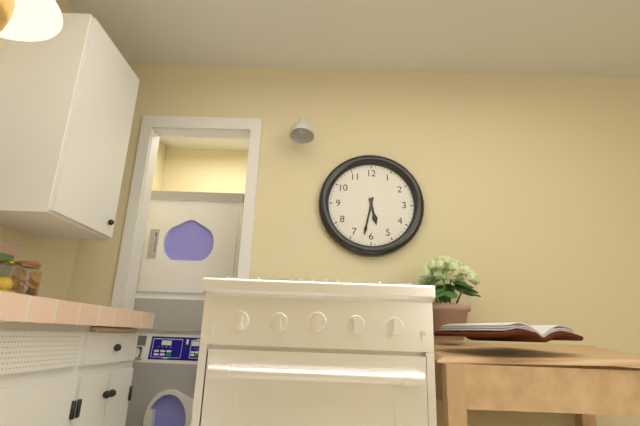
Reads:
{"hour": 5, "minute": 32}
